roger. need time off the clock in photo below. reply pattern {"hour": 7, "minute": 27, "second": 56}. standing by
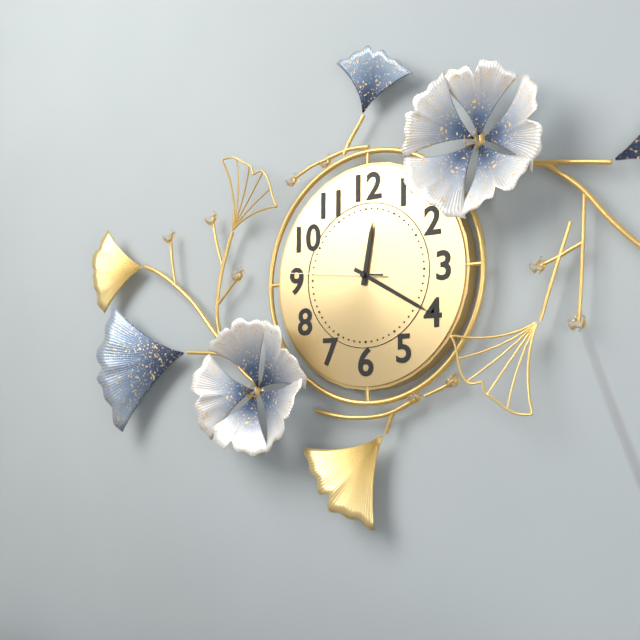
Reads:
{"hour": 12, "minute": 20, "second": 46}
